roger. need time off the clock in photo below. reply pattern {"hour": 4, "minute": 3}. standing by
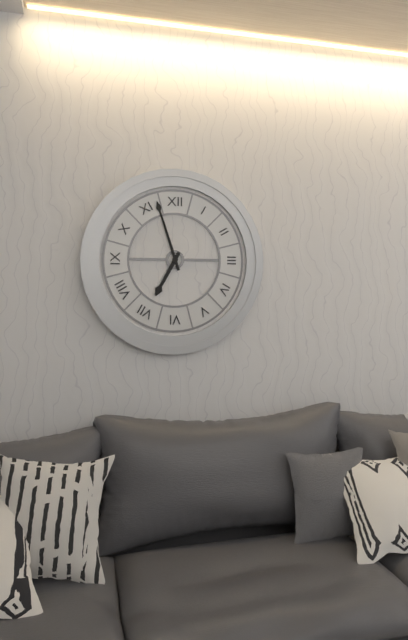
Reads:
{"hour": 6, "minute": 57}
